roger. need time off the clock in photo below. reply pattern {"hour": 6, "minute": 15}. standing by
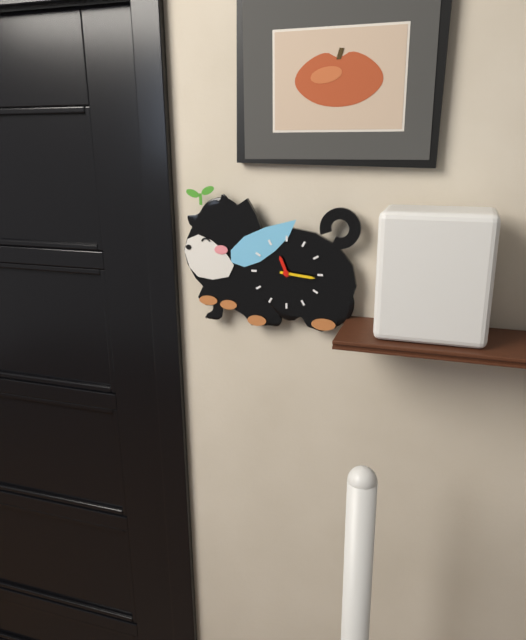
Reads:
{"hour": 11, "minute": 16}
